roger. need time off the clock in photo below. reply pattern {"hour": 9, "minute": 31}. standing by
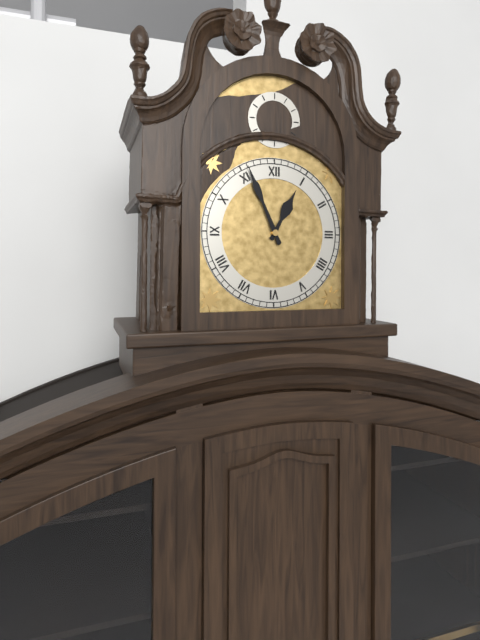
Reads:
{"hour": 12, "minute": 56}
